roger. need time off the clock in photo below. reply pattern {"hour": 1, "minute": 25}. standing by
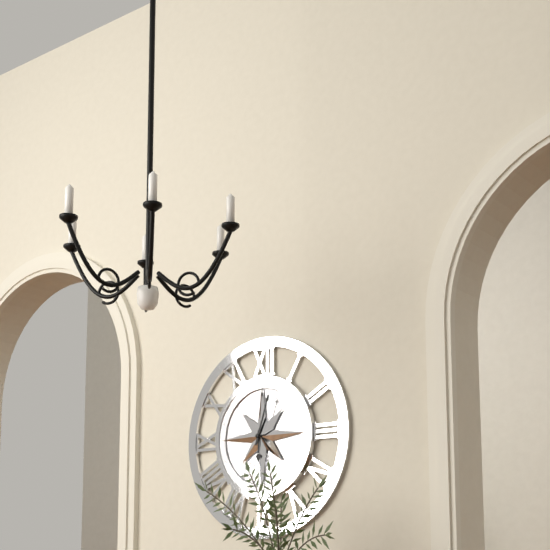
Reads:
{"hour": 6, "minute": 3}
